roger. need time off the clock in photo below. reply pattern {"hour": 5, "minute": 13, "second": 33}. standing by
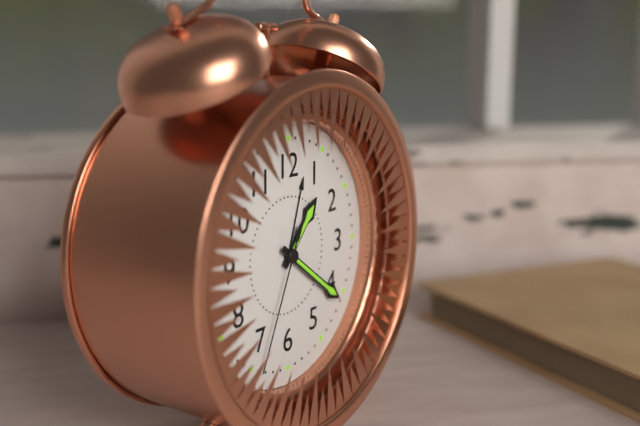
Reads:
{"hour": 1, "minute": 21, "second": 34}
